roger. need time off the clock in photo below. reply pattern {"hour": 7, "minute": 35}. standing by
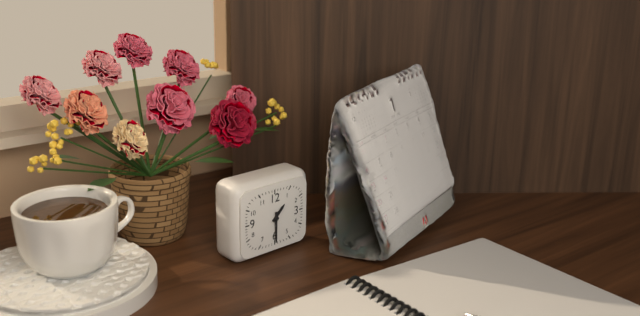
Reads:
{"hour": 1, "minute": 30}
